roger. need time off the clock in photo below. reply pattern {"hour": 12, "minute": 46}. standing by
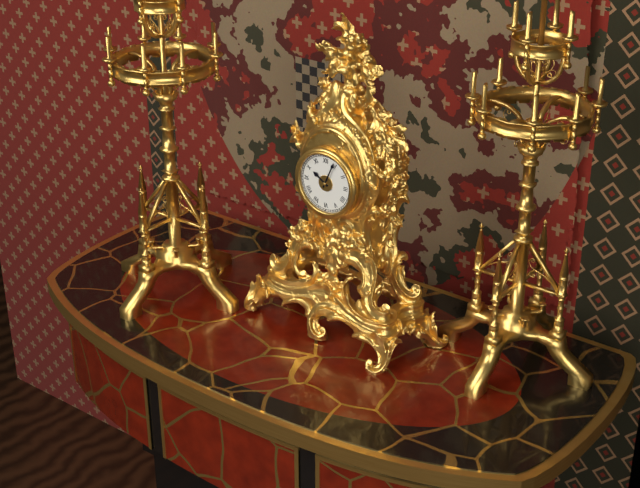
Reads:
{"hour": 10, "minute": 4}
